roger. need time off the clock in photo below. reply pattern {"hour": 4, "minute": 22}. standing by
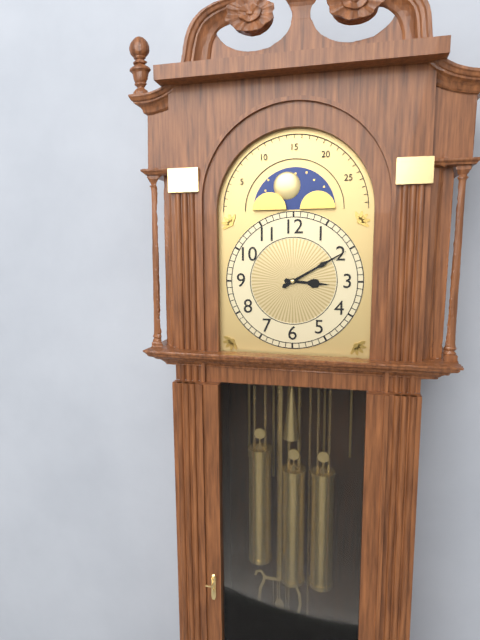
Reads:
{"hour": 3, "minute": 10}
